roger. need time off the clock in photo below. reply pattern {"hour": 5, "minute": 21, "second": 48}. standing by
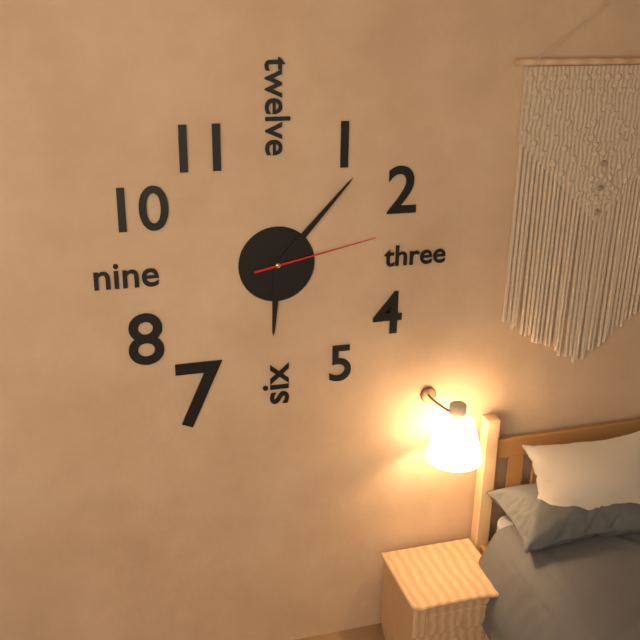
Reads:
{"hour": 6, "minute": 7, "second": 13}
